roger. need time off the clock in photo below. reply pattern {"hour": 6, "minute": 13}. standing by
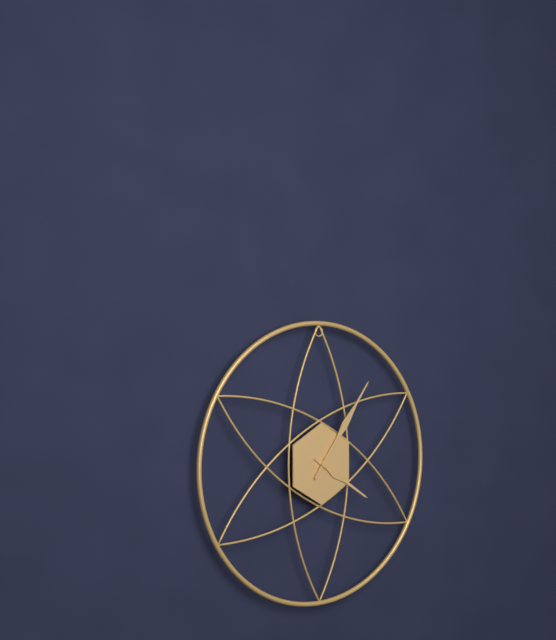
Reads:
{"hour": 4, "minute": 6}
